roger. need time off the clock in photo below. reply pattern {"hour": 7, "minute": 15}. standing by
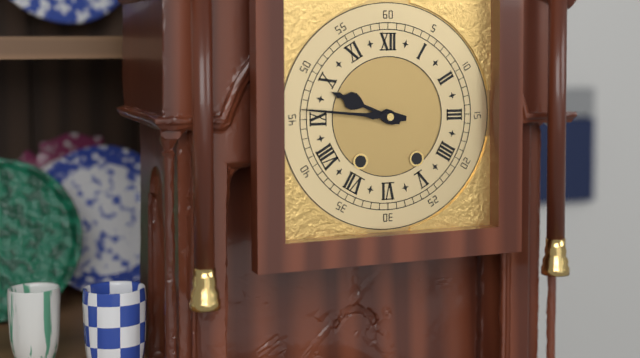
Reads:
{"hour": 9, "minute": 46}
